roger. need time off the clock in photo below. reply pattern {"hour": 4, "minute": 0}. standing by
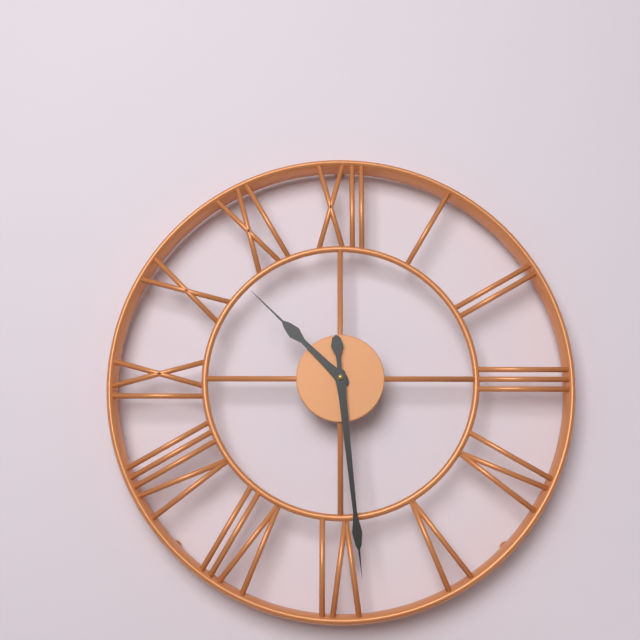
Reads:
{"hour": 10, "minute": 29}
